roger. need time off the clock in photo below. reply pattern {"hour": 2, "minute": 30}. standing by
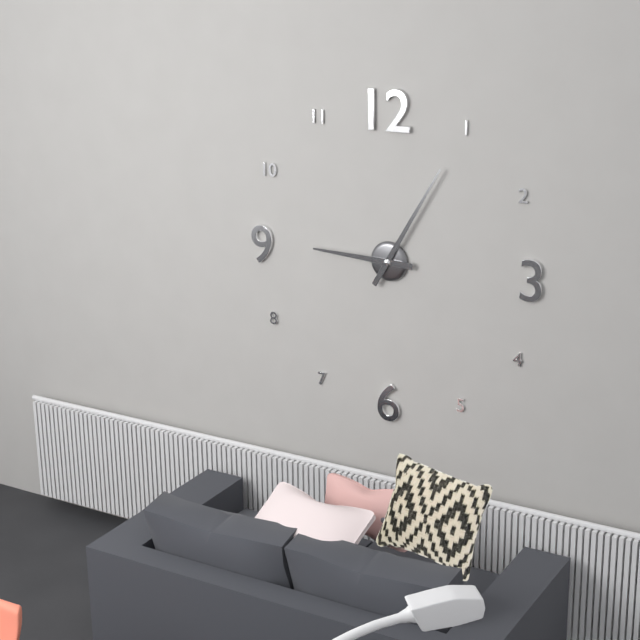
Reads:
{"hour": 9, "minute": 5}
